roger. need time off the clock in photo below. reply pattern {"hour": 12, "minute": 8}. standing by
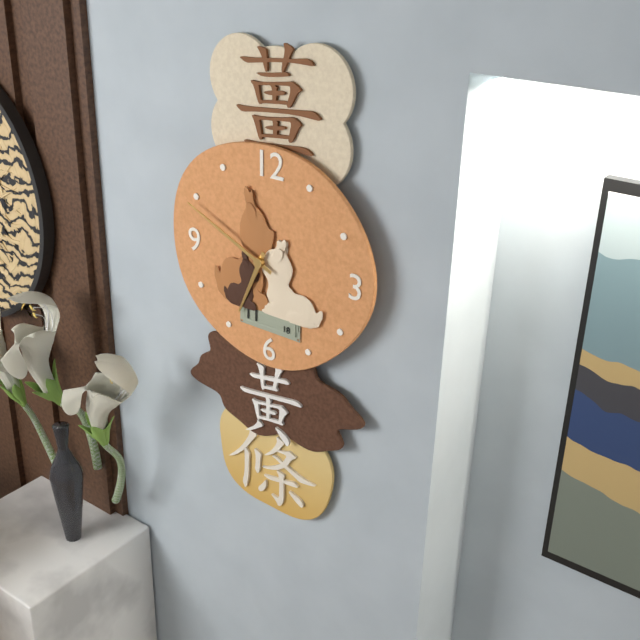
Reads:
{"hour": 6, "minute": 49}
